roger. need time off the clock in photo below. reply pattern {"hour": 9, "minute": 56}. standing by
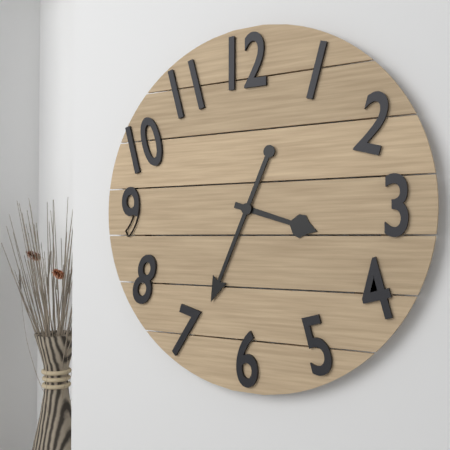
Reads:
{"hour": 3, "minute": 34}
